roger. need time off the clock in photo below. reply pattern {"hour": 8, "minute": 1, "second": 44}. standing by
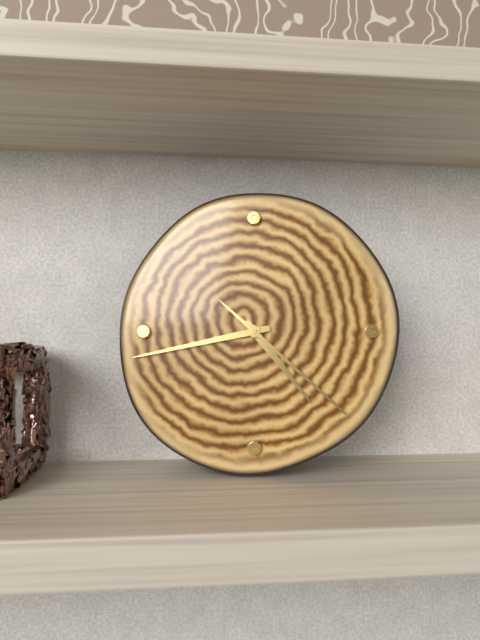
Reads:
{"hour": 4, "minute": 43, "second": 22}
